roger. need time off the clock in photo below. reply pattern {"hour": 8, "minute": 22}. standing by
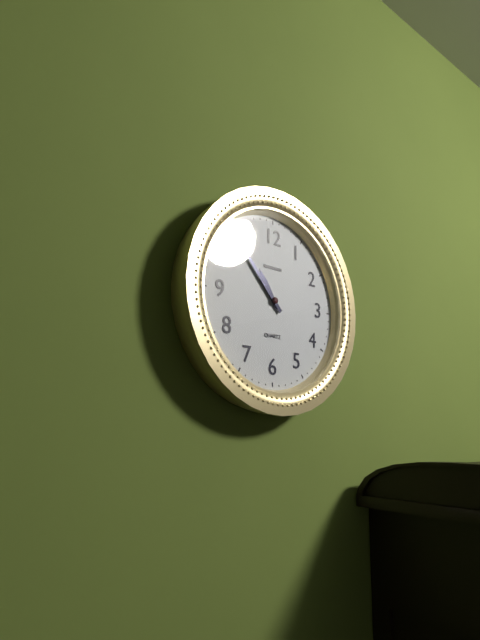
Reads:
{"hour": 10, "minute": 53}
